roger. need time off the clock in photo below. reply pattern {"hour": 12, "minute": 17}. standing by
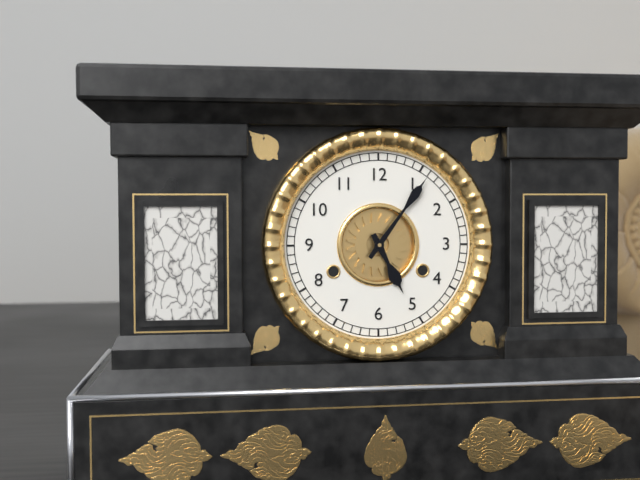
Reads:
{"hour": 5, "minute": 6}
